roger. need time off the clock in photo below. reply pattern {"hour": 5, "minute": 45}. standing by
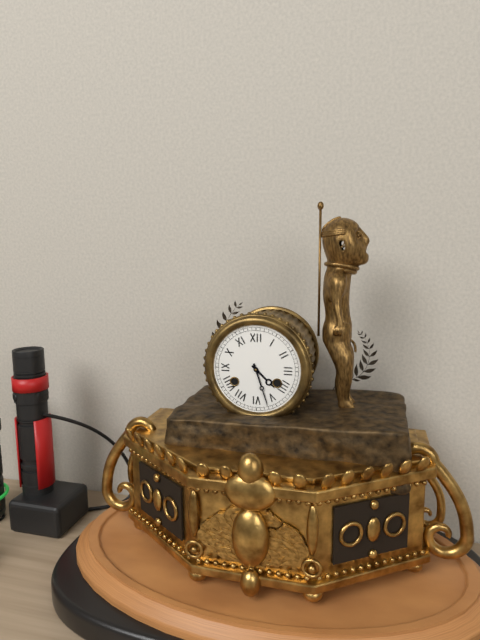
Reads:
{"hour": 4, "minute": 27}
